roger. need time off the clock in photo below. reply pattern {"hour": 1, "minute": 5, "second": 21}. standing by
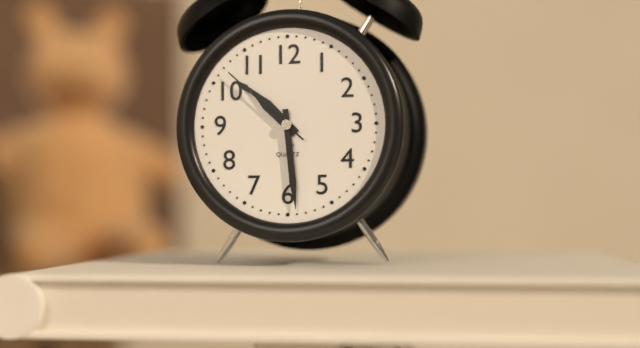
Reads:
{"hour": 10, "minute": 29, "second": 52}
